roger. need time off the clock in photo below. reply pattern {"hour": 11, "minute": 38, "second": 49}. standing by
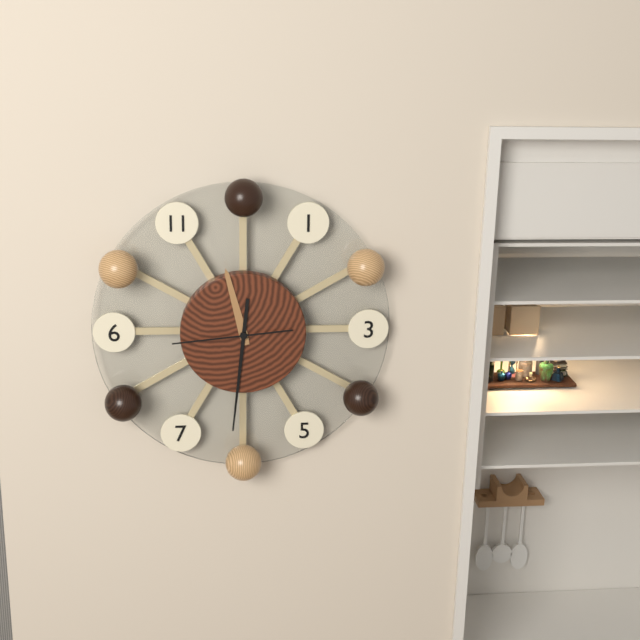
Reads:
{"hour": 11, "minute": 31, "second": 44}
